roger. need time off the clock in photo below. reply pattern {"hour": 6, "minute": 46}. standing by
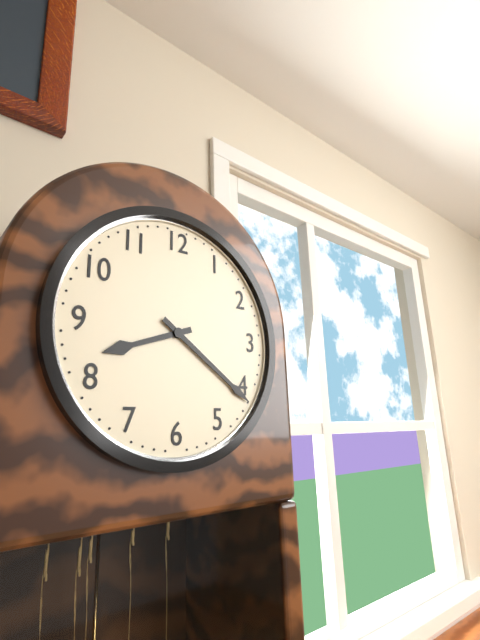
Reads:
{"hour": 8, "minute": 21}
